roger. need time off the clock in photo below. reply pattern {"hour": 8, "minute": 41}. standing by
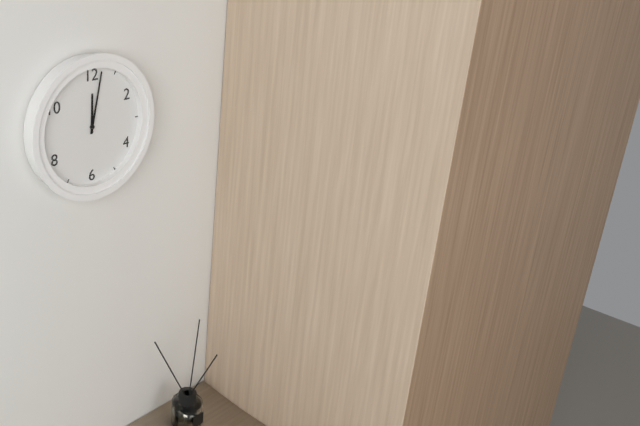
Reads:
{"hour": 12, "minute": 2}
